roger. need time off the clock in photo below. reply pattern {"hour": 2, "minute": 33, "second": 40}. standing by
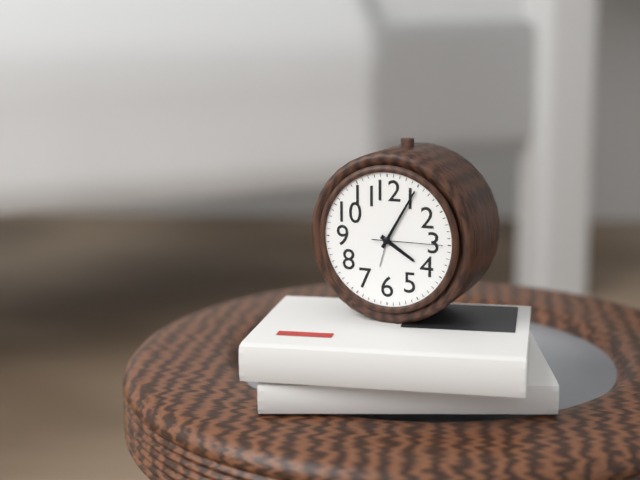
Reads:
{"hour": 4, "minute": 5, "second": 15}
